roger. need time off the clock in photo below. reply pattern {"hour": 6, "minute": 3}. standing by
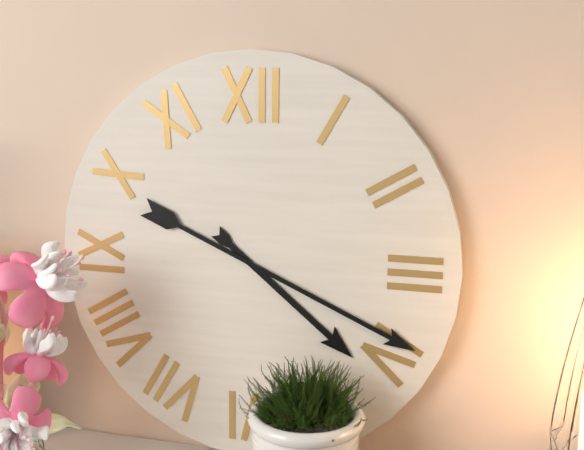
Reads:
{"hour": 4, "minute": 19}
